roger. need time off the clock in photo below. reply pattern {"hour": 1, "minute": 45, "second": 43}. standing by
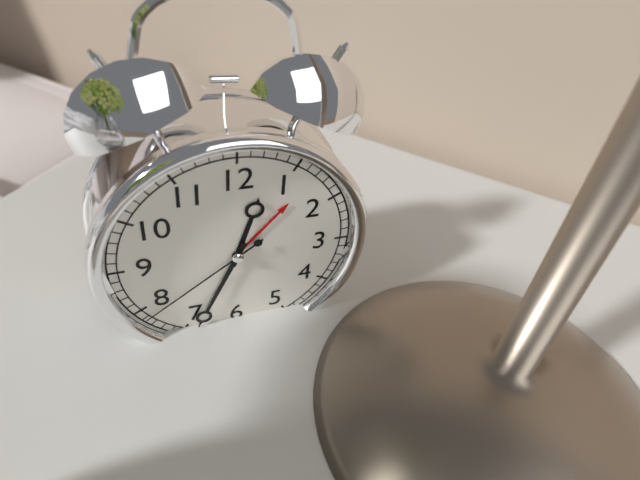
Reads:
{"hour": 12, "minute": 34, "second": 39}
